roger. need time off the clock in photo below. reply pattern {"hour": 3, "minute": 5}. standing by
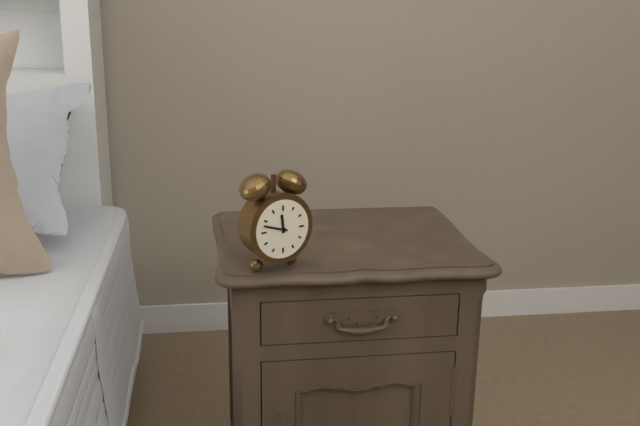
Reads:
{"hour": 11, "minute": 48}
